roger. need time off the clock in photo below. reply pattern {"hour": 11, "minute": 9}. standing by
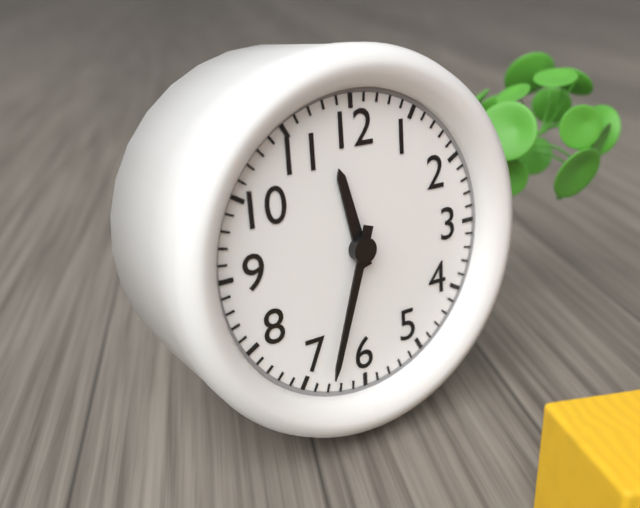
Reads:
{"hour": 11, "minute": 33}
